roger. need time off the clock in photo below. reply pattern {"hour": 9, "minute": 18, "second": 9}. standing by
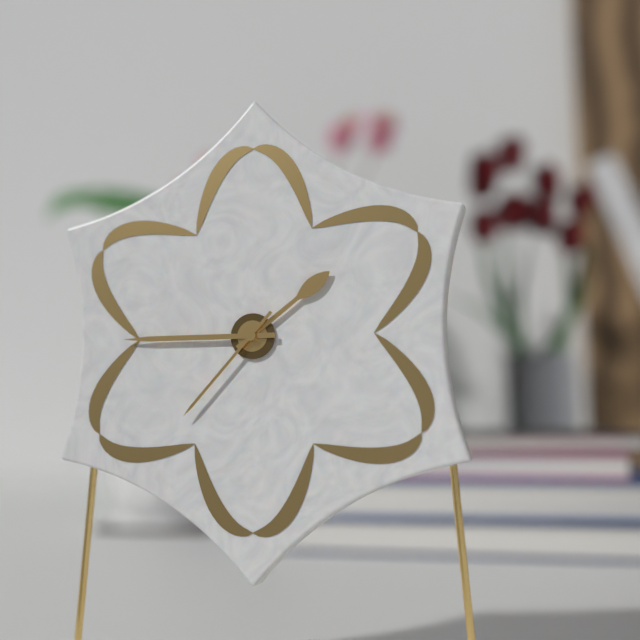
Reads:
{"hour": 1, "minute": 45, "second": 37}
